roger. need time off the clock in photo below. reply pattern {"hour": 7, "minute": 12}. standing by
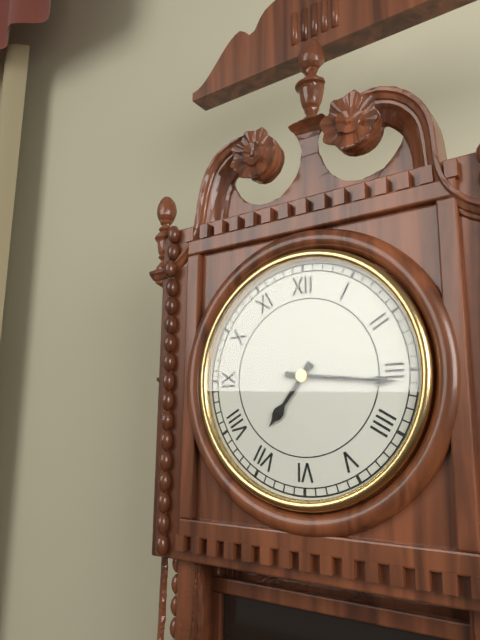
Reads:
{"hour": 7, "minute": 16}
